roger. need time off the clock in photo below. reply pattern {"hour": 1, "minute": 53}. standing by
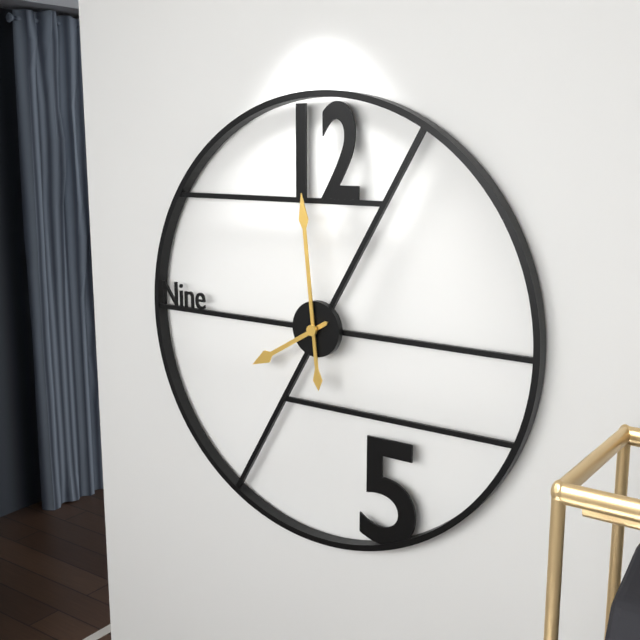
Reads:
{"hour": 7, "minute": 59}
